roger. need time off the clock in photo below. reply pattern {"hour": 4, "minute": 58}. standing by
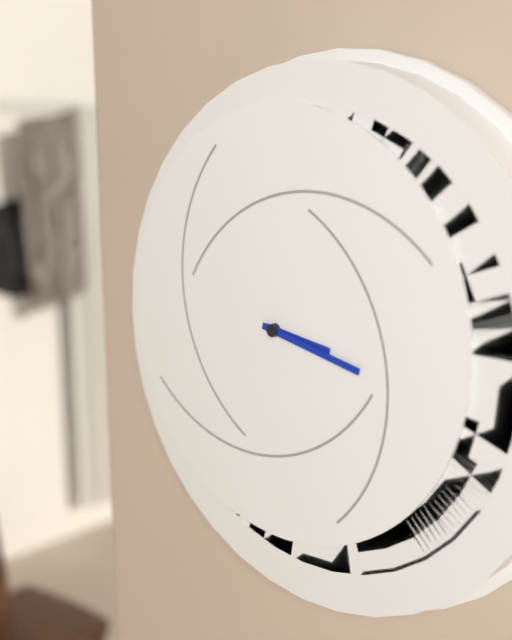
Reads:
{"hour": 3, "minute": 17}
